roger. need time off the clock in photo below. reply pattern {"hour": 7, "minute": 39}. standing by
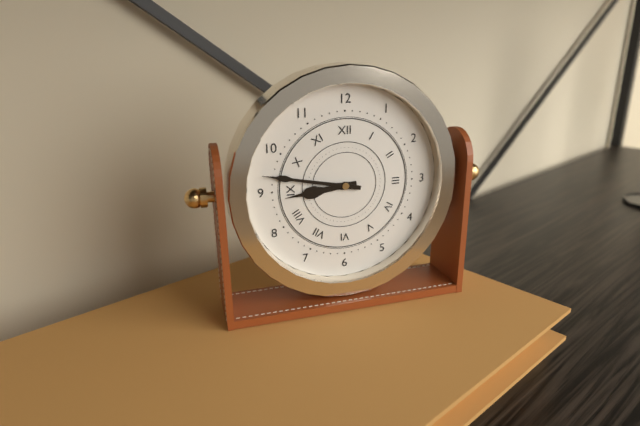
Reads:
{"hour": 8, "minute": 47}
